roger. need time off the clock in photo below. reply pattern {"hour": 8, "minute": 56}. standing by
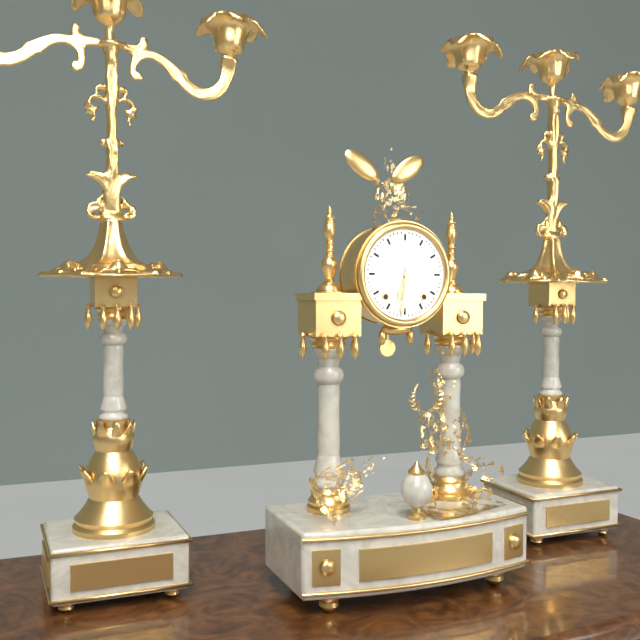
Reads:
{"hour": 6, "minute": 31}
